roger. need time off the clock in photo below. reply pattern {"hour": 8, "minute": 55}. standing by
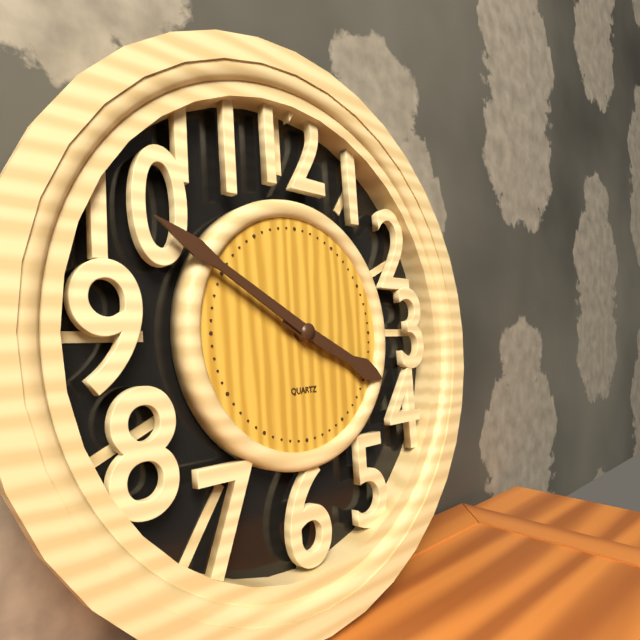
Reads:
{"hour": 3, "minute": 50}
